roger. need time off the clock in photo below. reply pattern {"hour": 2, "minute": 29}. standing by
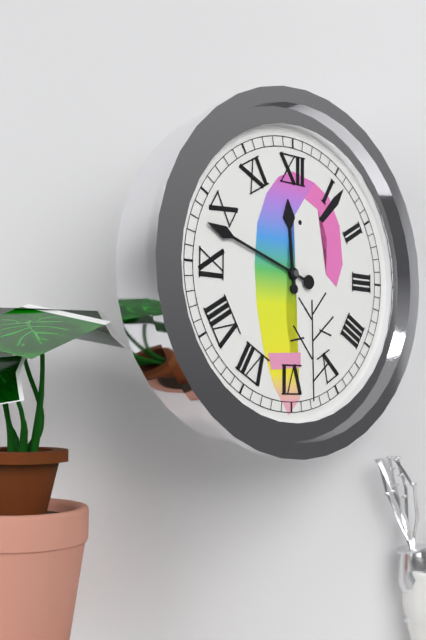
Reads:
{"hour": 11, "minute": 48}
